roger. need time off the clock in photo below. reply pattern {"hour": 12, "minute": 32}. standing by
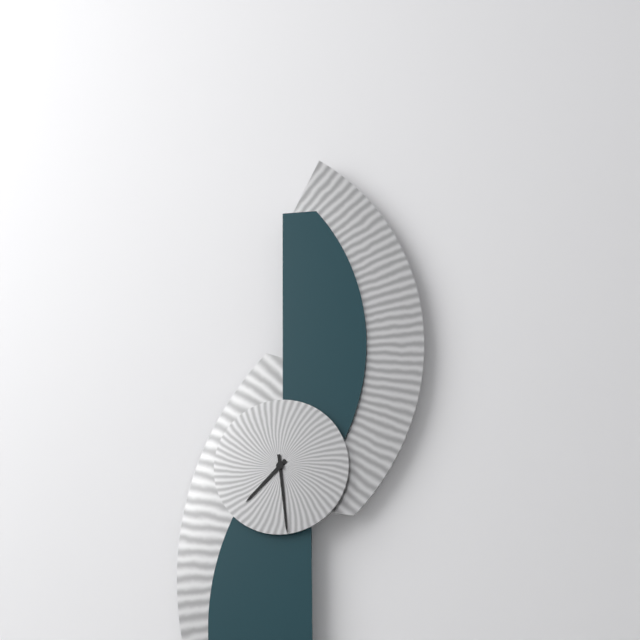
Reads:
{"hour": 7, "minute": 29}
